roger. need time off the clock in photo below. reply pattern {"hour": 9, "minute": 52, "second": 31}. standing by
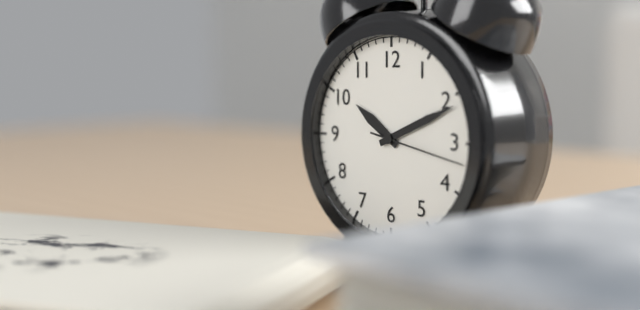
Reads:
{"hour": 10, "minute": 11, "second": 17}
